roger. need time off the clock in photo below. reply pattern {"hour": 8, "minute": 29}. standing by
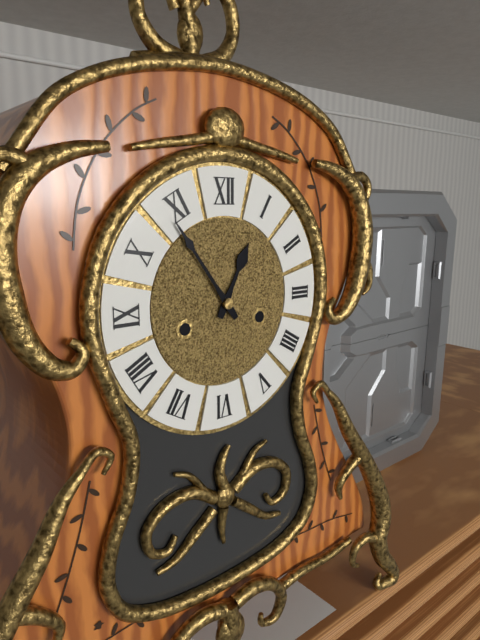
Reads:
{"hour": 12, "minute": 54}
